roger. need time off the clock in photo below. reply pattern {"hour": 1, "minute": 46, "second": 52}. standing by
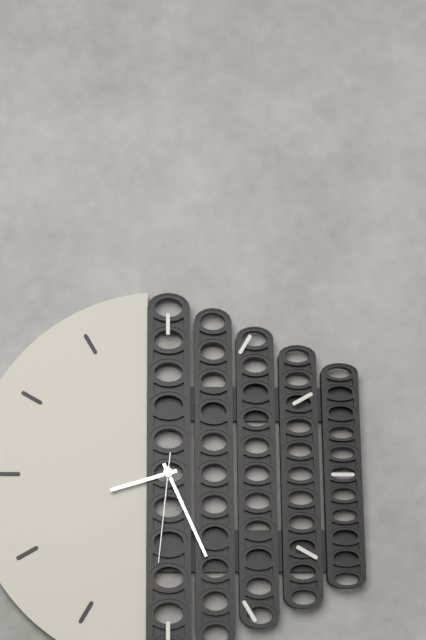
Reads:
{"hour": 8, "minute": 26, "second": 31}
